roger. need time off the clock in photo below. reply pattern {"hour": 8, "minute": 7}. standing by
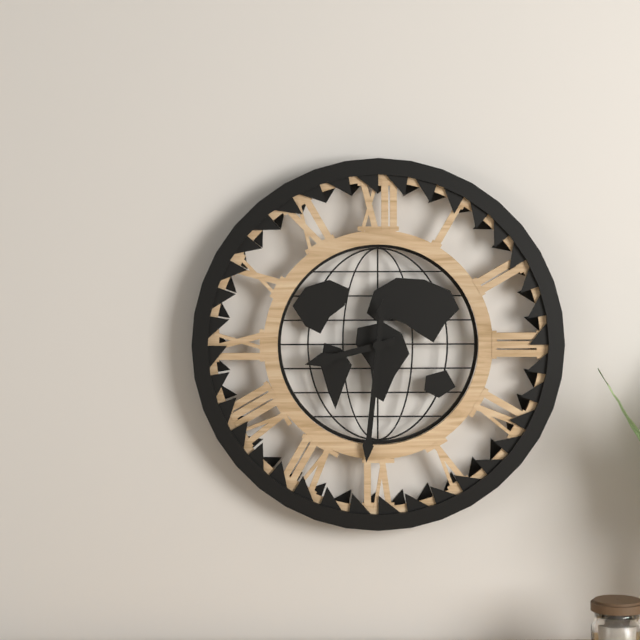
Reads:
{"hour": 8, "minute": 31}
